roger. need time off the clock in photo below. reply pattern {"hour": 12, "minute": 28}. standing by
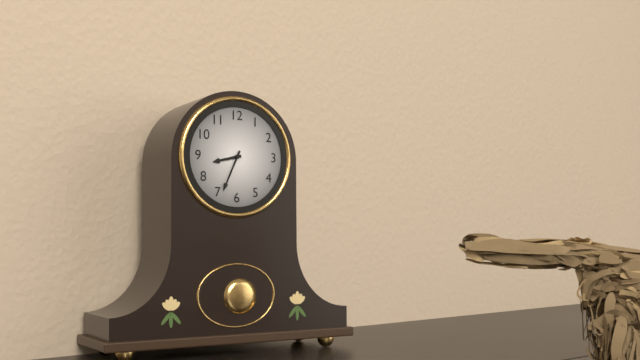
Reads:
{"hour": 8, "minute": 34}
